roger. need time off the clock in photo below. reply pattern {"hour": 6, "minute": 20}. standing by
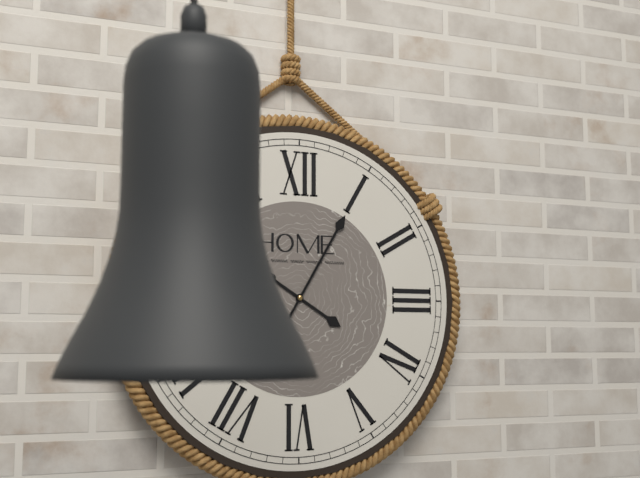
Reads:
{"hour": 4, "minute": 5}
